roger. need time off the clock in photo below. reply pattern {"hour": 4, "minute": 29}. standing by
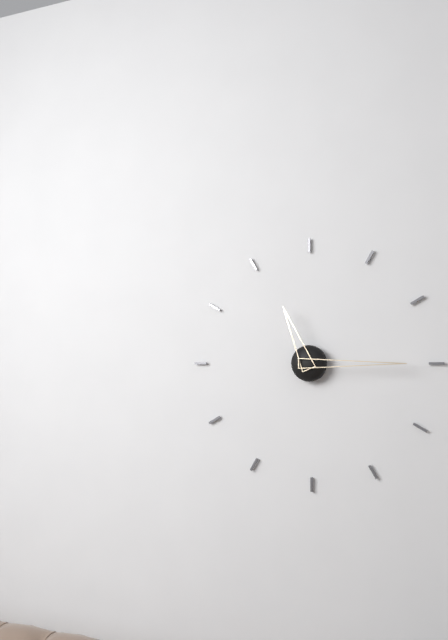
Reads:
{"hour": 11, "minute": 15}
